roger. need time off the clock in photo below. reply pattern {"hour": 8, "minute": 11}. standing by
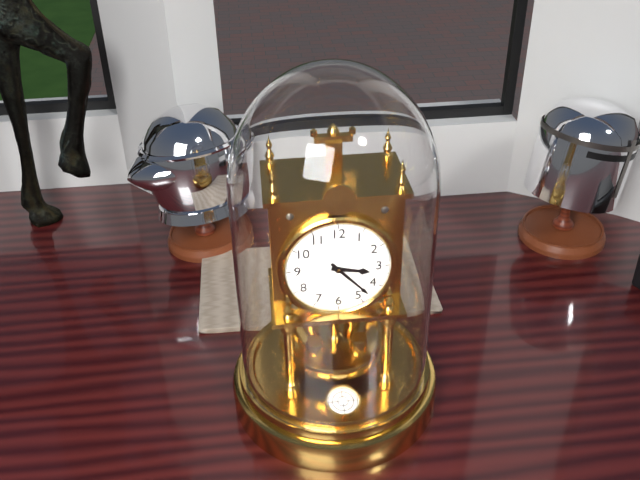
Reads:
{"hour": 3, "minute": 23}
